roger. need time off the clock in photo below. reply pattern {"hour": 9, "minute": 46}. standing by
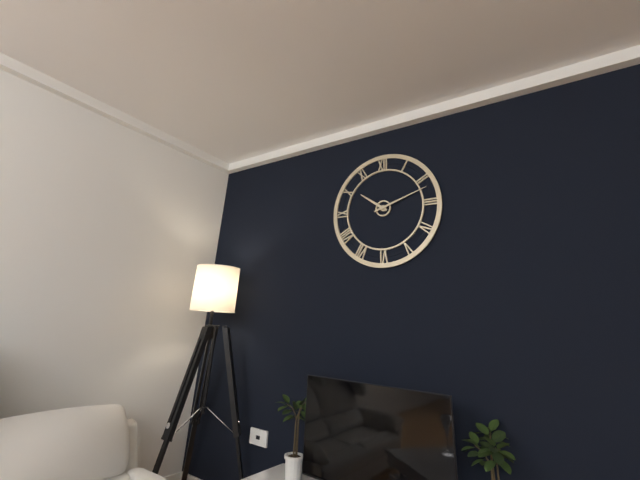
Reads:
{"hour": 10, "minute": 12}
